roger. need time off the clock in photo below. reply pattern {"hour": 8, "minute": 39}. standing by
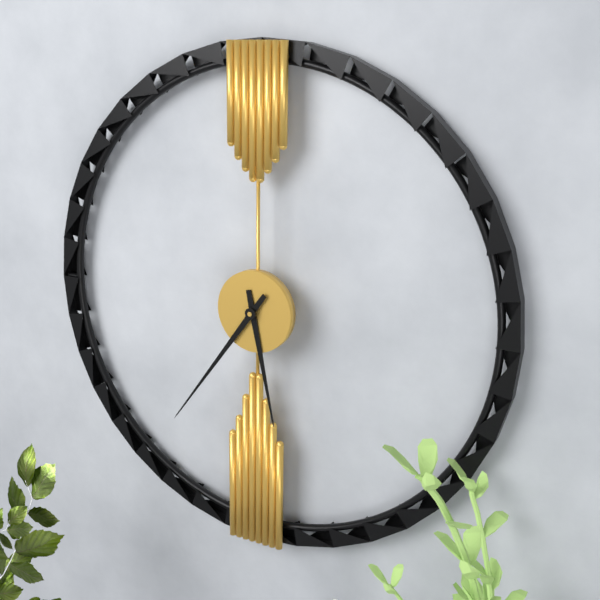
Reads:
{"hour": 5, "minute": 36}
